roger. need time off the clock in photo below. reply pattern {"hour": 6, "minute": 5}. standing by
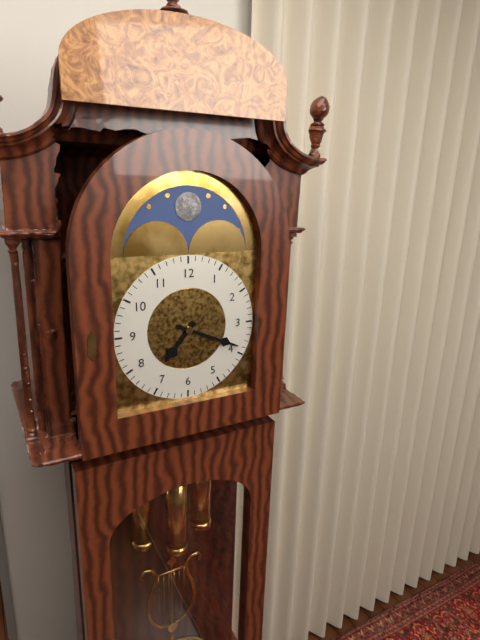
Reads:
{"hour": 7, "minute": 19}
